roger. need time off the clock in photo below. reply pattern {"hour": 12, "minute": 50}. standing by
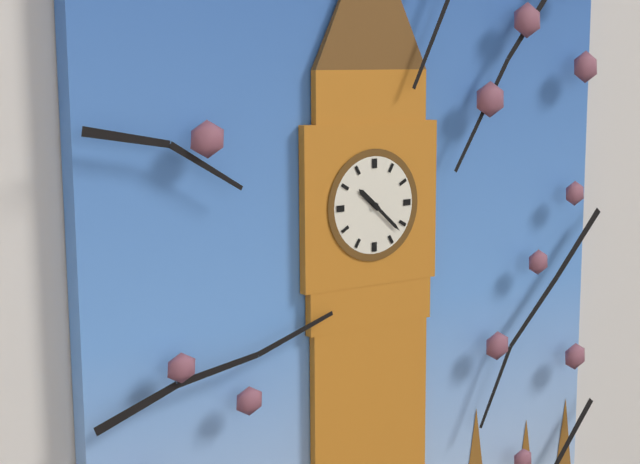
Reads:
{"hour": 10, "minute": 22}
